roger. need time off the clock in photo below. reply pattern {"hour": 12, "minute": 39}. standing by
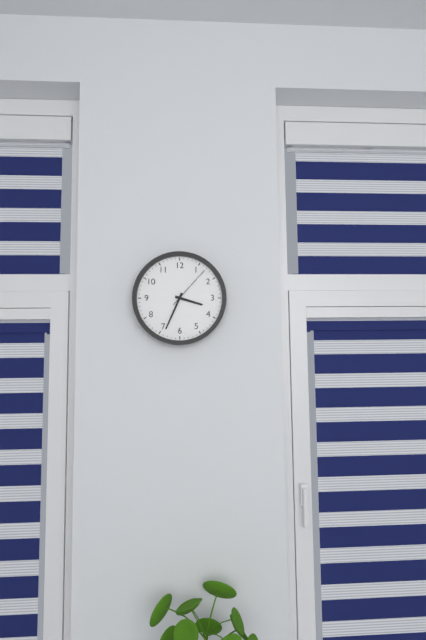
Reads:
{"hour": 3, "minute": 34}
